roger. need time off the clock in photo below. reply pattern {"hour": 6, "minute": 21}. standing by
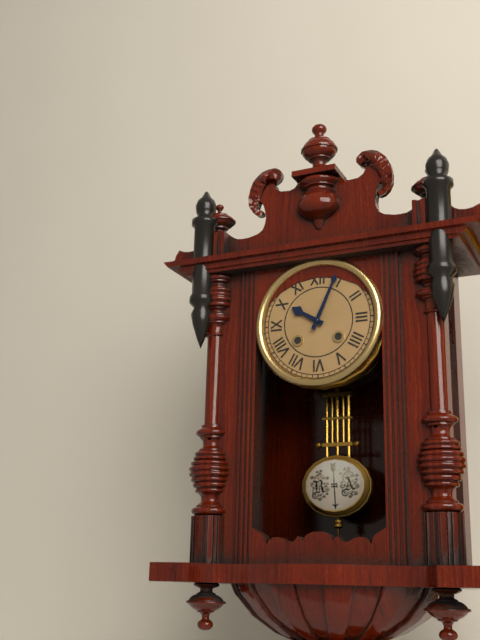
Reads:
{"hour": 10, "minute": 4}
